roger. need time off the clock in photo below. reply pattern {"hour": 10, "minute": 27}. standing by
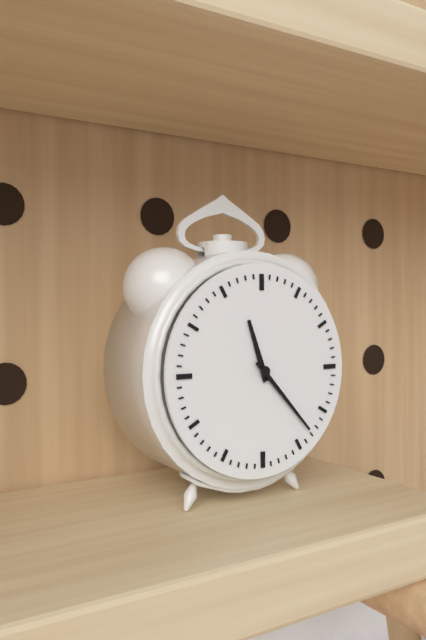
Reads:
{"hour": 11, "minute": 23}
